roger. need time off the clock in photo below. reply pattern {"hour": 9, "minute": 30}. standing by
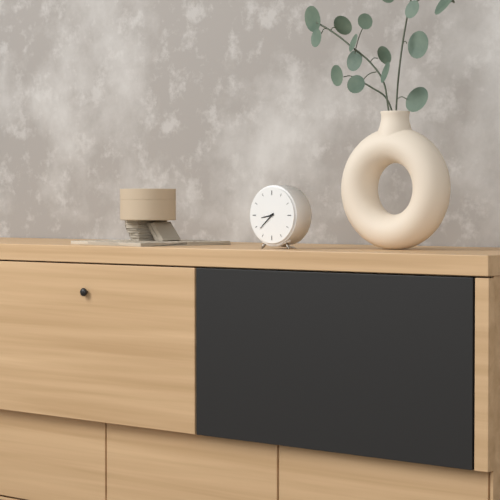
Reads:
{"hour": 8, "minute": 38}
